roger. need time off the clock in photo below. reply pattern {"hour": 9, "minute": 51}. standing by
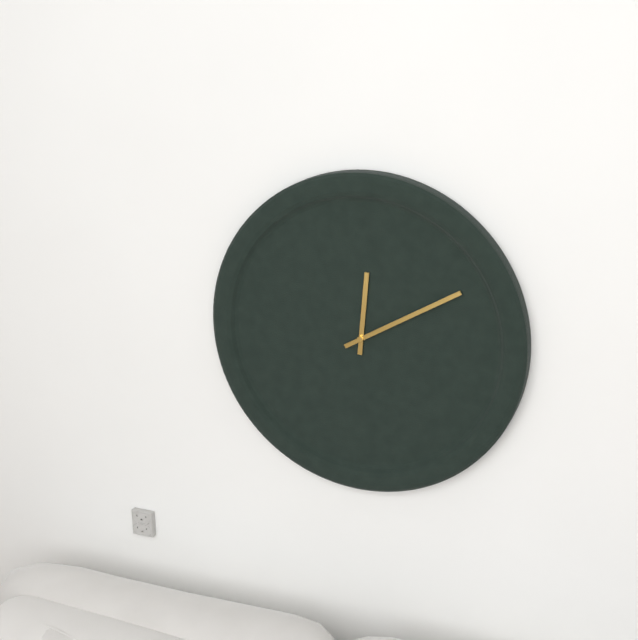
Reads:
{"hour": 12, "minute": 10}
